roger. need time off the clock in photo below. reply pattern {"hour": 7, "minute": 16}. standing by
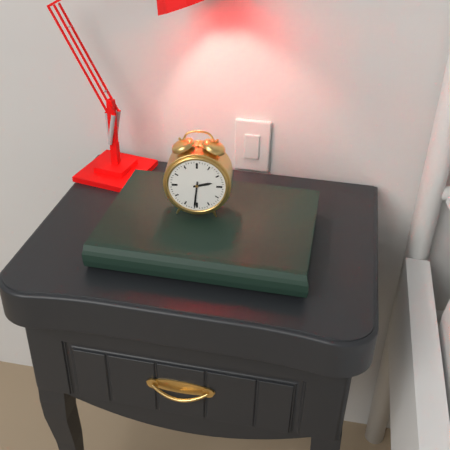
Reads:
{"hour": 2, "minute": 31}
